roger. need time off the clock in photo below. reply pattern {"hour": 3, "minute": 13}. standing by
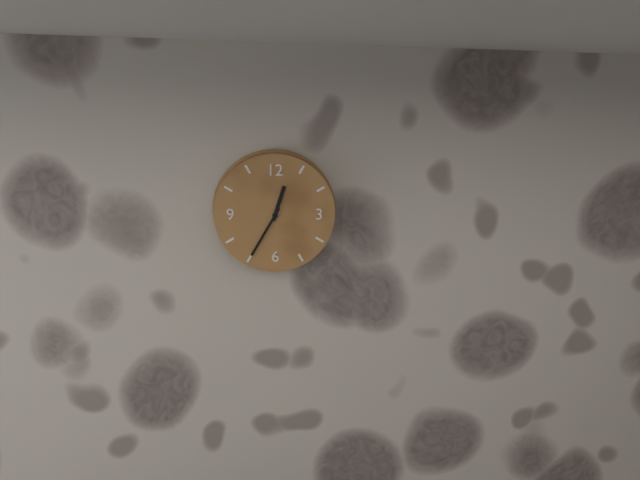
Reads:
{"hour": 12, "minute": 35}
